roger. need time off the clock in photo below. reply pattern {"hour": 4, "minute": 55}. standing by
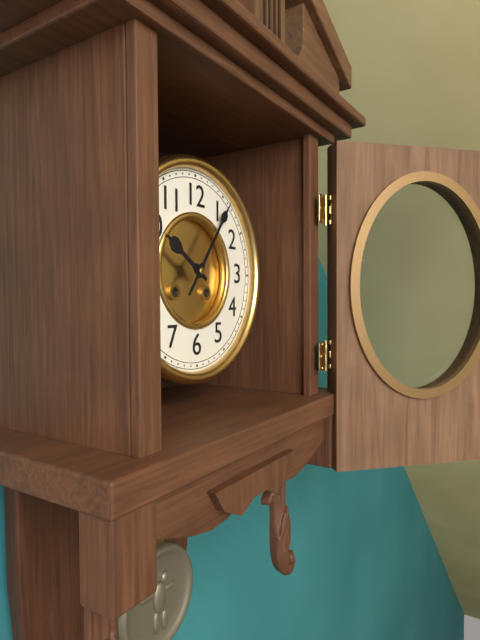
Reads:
{"hour": 10, "minute": 6}
